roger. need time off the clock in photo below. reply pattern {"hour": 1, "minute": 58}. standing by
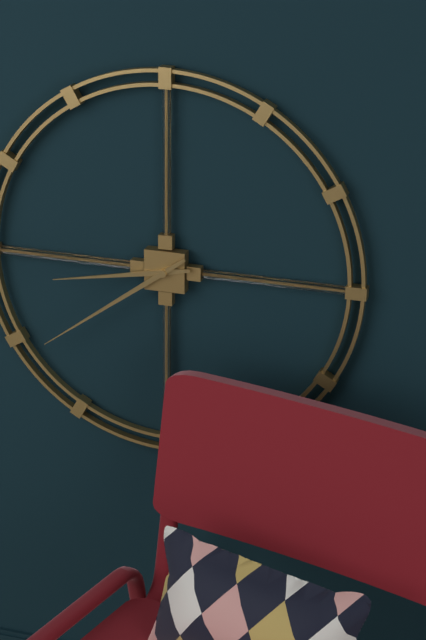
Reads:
{"hour": 8, "minute": 39}
